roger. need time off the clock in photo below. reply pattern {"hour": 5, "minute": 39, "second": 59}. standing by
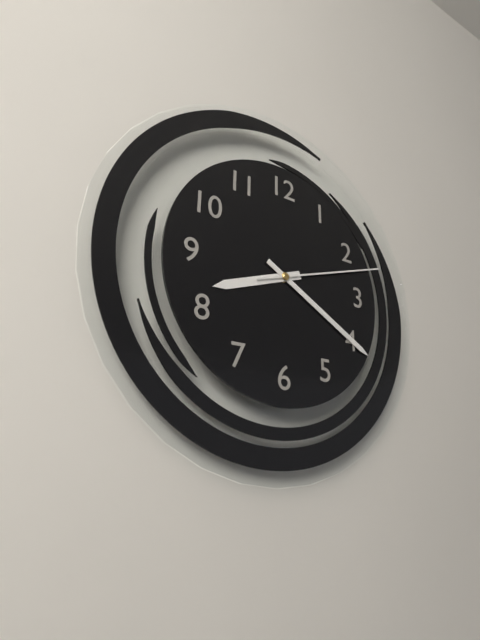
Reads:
{"hour": 8, "minute": 20, "second": 12}
